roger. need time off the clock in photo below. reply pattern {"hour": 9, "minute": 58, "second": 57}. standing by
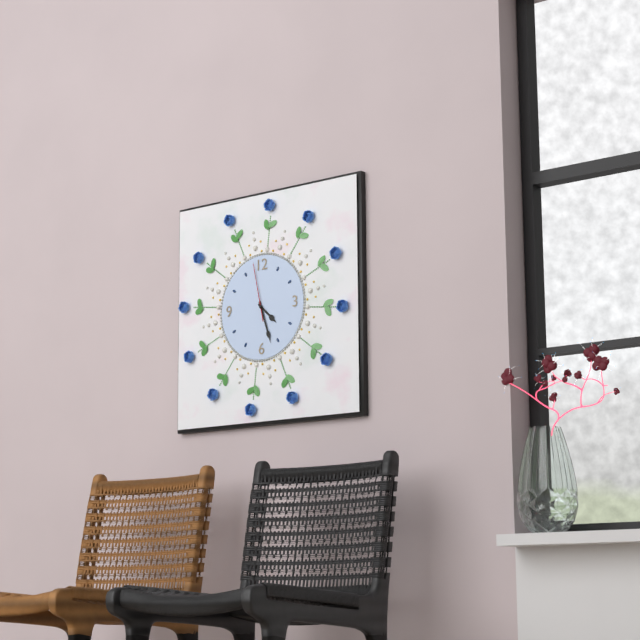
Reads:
{"hour": 4, "minute": 27, "second": 58}
